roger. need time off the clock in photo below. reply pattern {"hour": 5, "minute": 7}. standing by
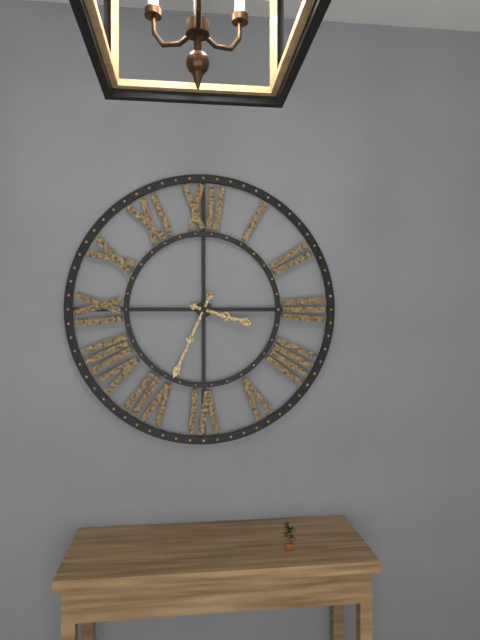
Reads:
{"hour": 3, "minute": 34}
